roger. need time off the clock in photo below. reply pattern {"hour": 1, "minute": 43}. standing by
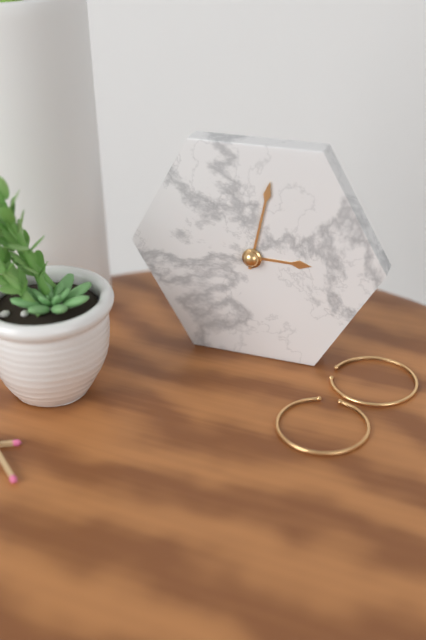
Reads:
{"hour": 3, "minute": 2}
